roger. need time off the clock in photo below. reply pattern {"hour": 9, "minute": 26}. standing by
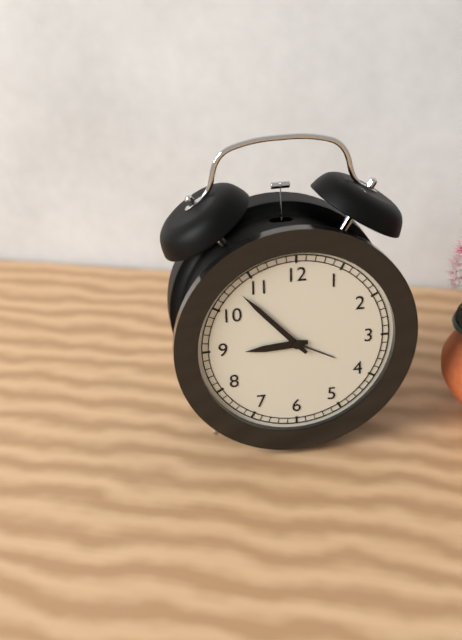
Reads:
{"hour": 8, "minute": 53}
